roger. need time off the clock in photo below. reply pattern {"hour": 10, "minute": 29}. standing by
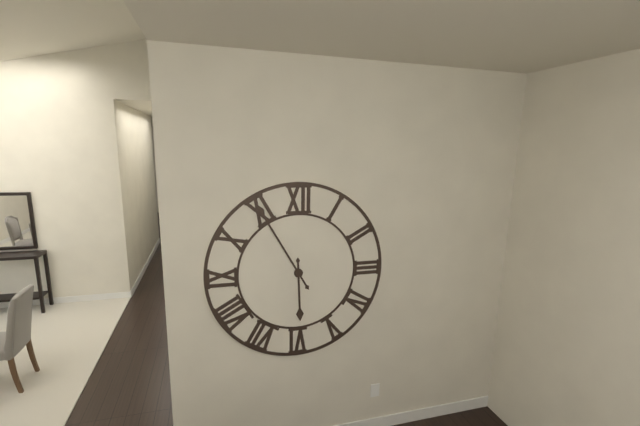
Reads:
{"hour": 5, "minute": 55}
